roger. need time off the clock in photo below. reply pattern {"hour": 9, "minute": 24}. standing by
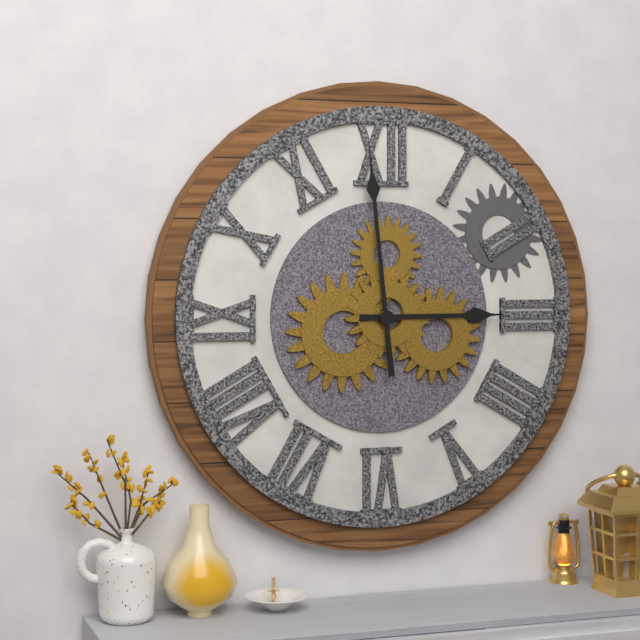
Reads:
{"hour": 2, "minute": 59}
